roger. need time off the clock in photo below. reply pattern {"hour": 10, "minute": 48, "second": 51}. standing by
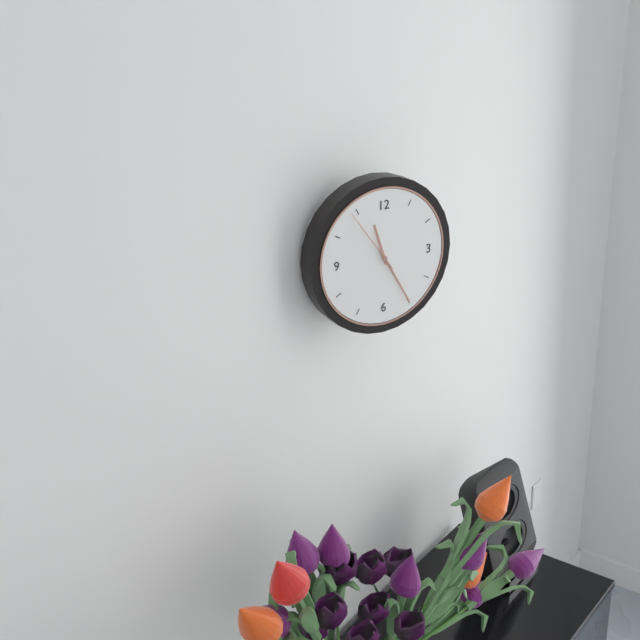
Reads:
{"hour": 11, "minute": 25, "second": 54}
